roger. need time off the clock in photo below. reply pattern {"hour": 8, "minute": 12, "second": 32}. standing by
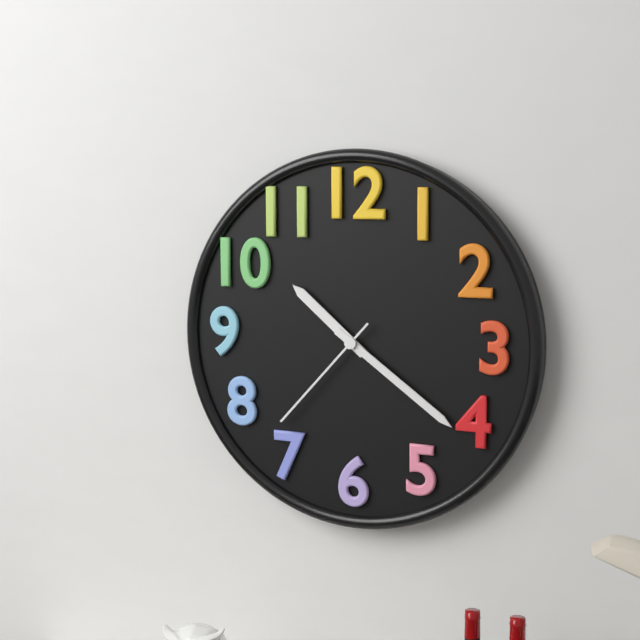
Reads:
{"hour": 10, "minute": 21, "second": 37}
